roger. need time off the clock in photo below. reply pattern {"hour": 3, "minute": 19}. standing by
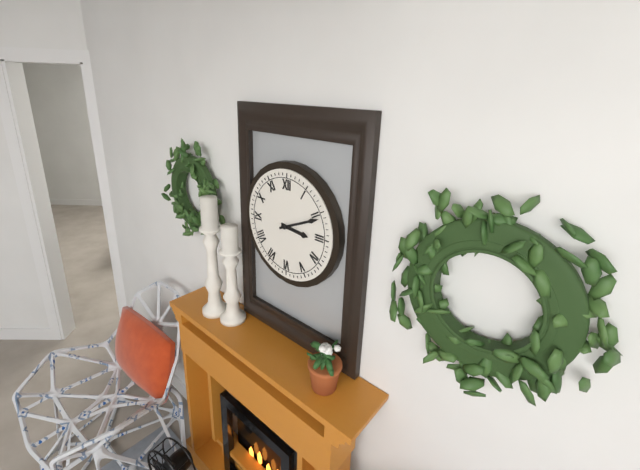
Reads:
{"hour": 3, "minute": 11}
